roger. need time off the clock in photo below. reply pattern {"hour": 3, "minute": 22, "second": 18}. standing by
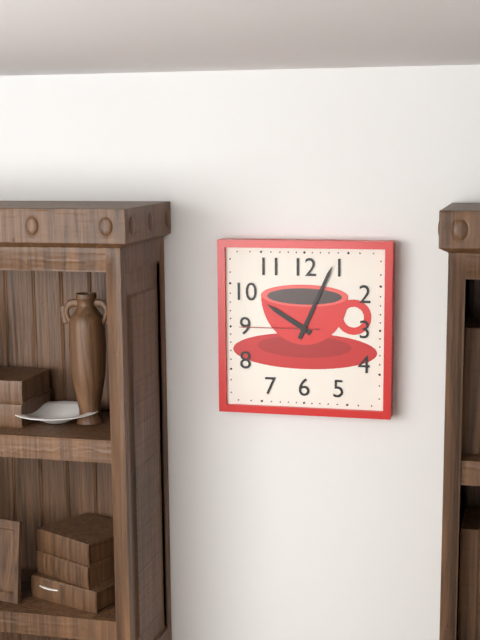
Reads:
{"hour": 10, "minute": 4, "second": 45}
